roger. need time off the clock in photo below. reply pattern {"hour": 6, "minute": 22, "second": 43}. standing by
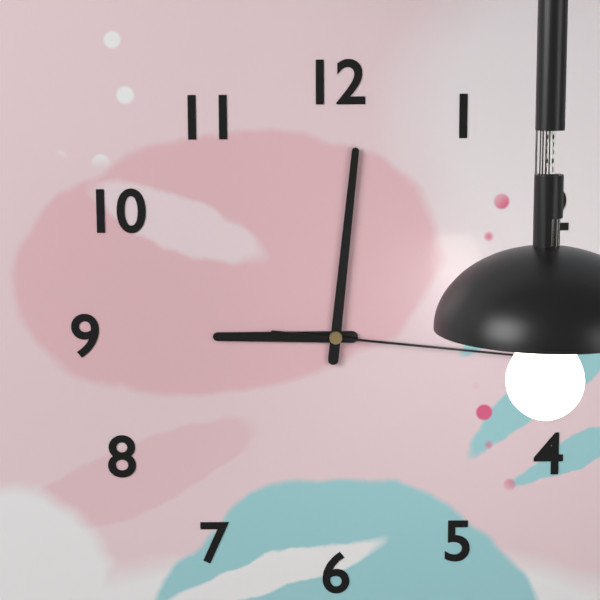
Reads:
{"hour": 9, "minute": 1, "second": 16}
